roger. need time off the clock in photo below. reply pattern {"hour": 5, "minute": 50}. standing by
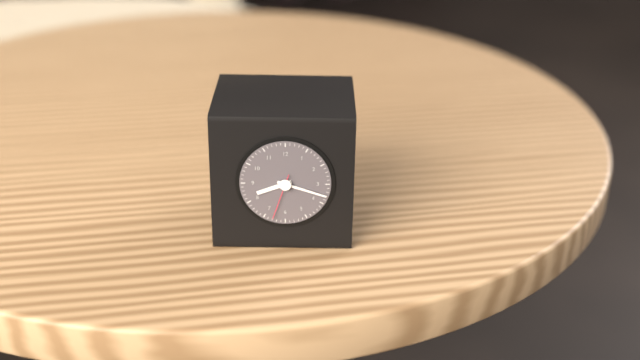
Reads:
{"hour": 8, "minute": 18}
